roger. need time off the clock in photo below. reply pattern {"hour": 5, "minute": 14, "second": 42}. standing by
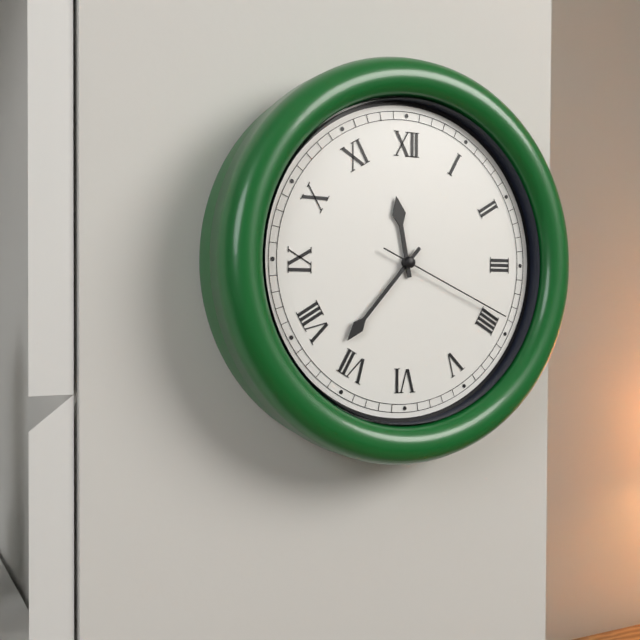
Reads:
{"hour": 11, "minute": 37, "second": 19}
